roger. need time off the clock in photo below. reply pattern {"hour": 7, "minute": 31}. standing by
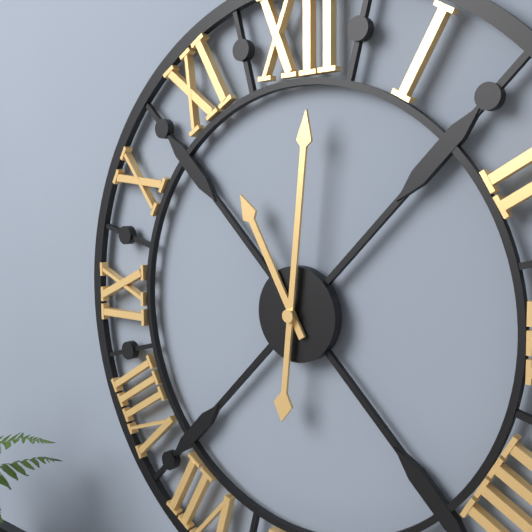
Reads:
{"hour": 11, "minute": 1}
